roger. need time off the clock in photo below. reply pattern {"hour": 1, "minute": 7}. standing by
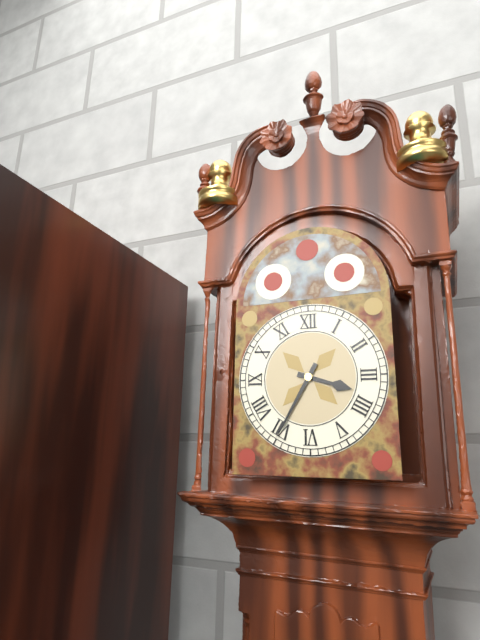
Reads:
{"hour": 3, "minute": 35}
